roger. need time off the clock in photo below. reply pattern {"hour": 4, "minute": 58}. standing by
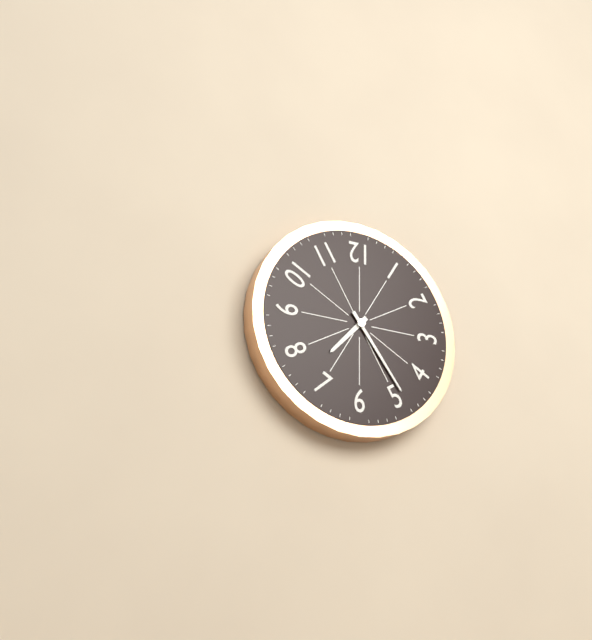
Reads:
{"hour": 7, "minute": 24}
